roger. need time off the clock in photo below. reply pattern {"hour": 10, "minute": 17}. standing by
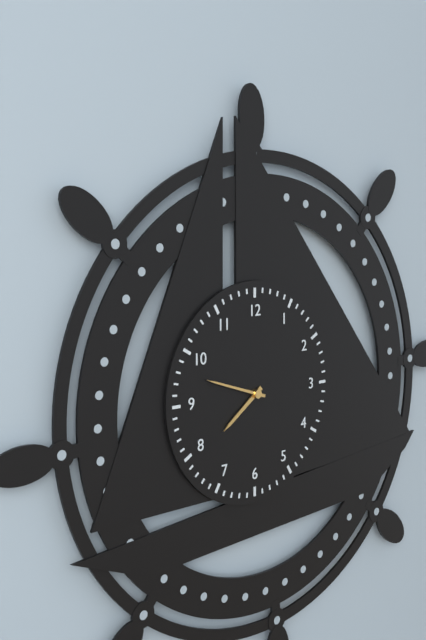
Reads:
{"hour": 7, "minute": 48}
